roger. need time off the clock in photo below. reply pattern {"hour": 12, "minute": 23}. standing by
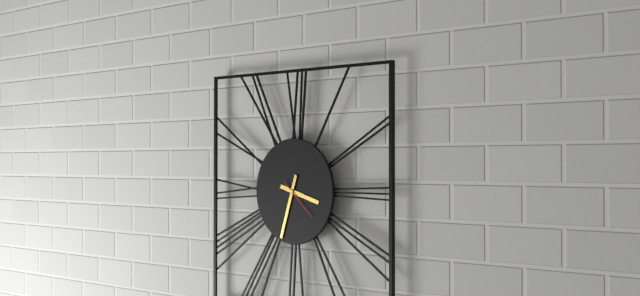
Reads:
{"hour": 3, "minute": 33}
